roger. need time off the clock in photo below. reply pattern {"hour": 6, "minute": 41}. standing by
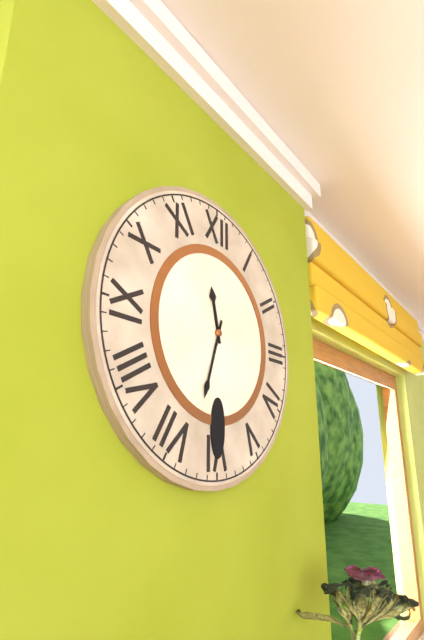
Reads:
{"hour": 11, "minute": 33}
